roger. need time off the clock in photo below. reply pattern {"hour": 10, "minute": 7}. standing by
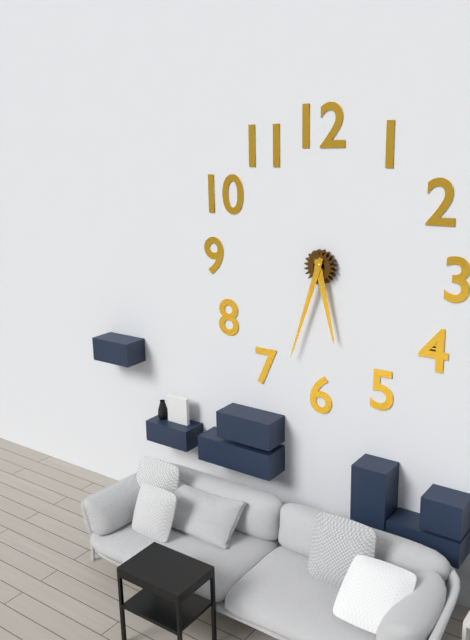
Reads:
{"hour": 5, "minute": 33}
